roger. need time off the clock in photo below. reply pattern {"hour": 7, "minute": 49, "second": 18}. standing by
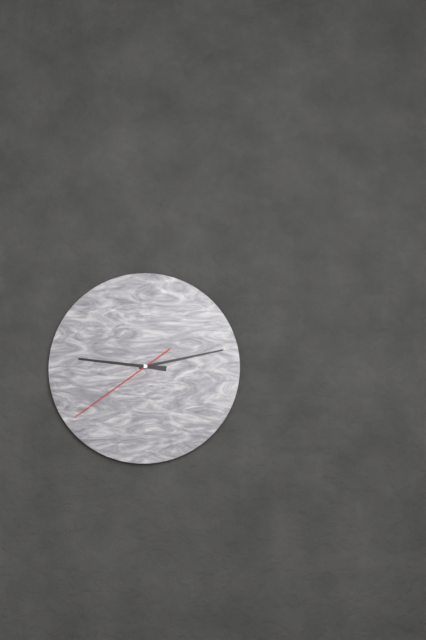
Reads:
{"hour": 9, "minute": 13, "second": 39}
